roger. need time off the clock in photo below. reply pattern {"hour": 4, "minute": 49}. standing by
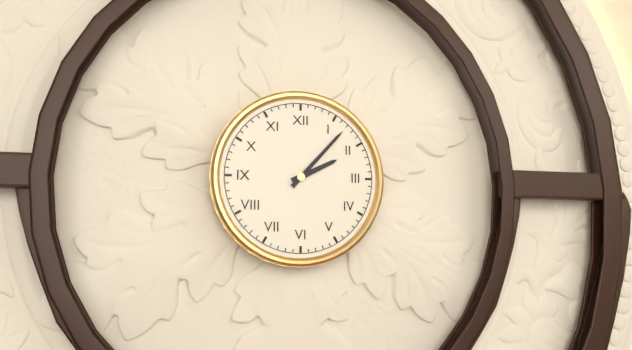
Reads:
{"hour": 2, "minute": 7}
